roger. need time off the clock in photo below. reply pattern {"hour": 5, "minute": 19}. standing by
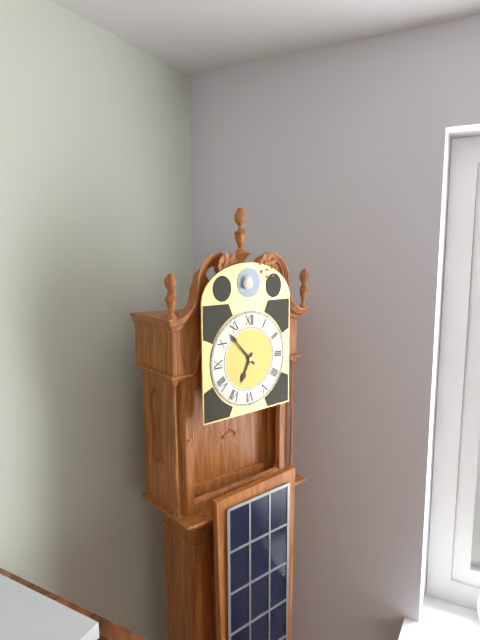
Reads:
{"hour": 6, "minute": 53}
